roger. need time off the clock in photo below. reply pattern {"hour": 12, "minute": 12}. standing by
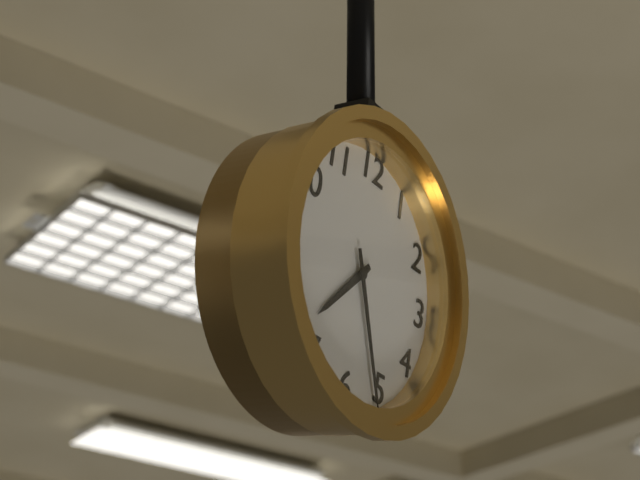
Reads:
{"hour": 7, "minute": 26}
